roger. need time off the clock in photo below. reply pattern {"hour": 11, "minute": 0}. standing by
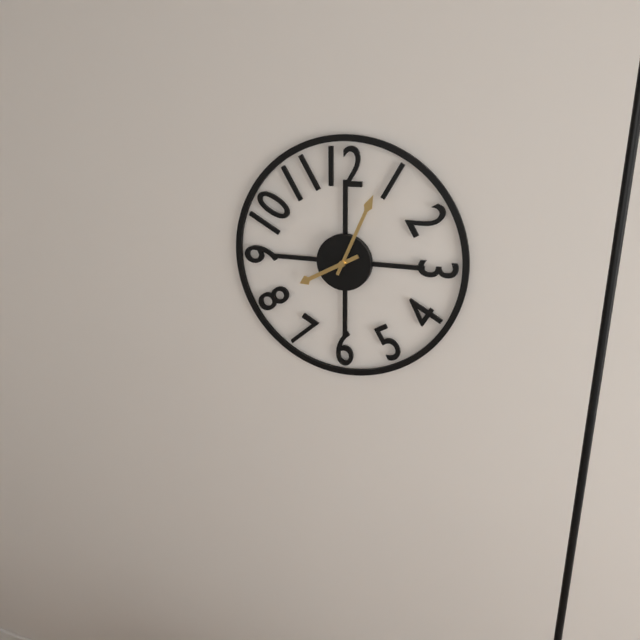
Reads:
{"hour": 8, "minute": 4}
